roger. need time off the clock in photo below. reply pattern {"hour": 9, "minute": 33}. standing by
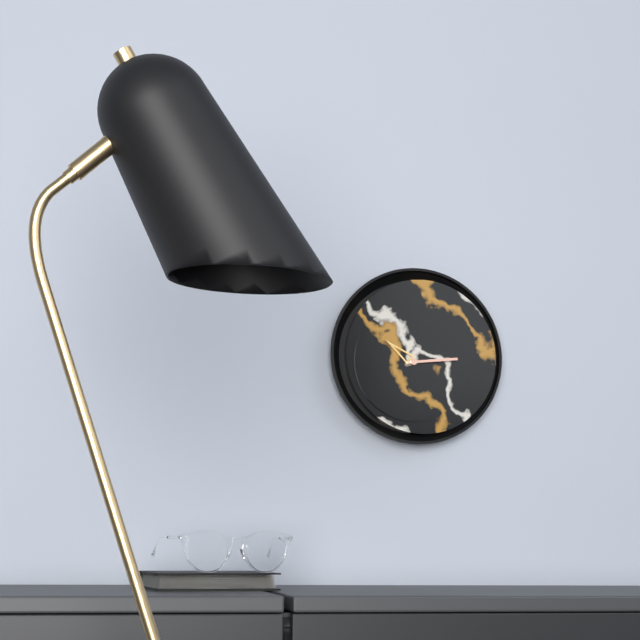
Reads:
{"hour": 10, "minute": 14}
